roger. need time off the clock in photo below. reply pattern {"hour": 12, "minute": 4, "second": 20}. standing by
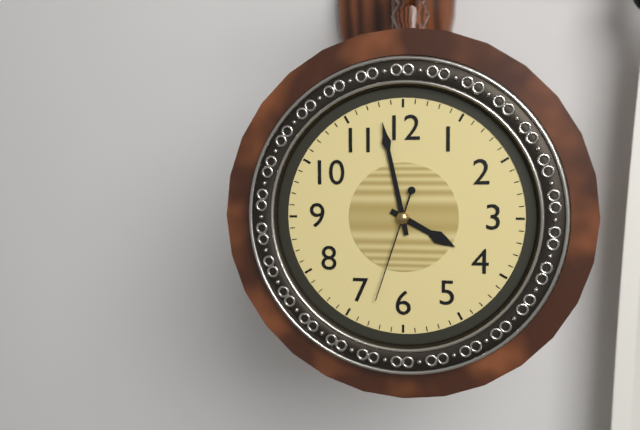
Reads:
{"hour": 3, "minute": 58, "second": 33}
